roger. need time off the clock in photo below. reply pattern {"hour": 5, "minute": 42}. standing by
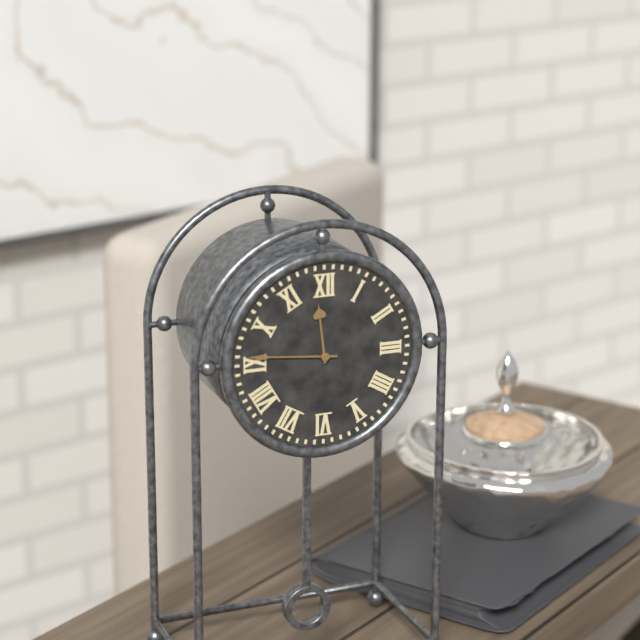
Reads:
{"hour": 11, "minute": 46}
